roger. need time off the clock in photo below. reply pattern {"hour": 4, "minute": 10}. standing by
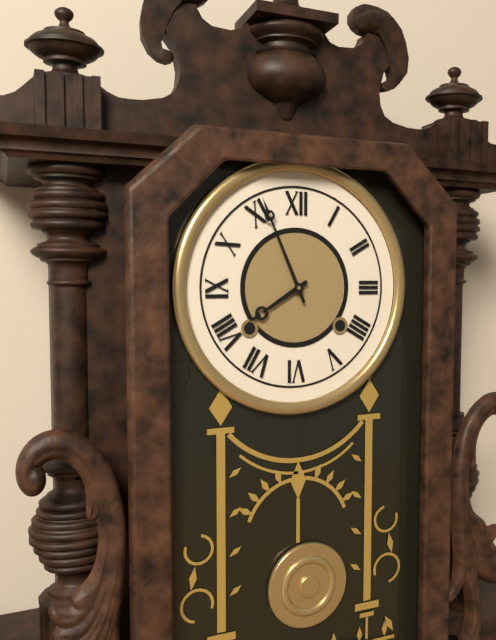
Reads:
{"hour": 7, "minute": 56}
